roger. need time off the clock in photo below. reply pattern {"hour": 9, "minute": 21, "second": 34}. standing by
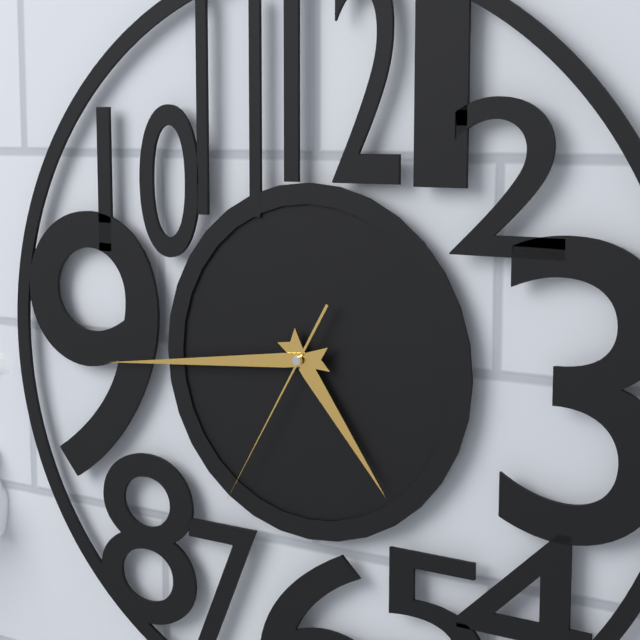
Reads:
{"hour": 4, "minute": 44, "second": 35}
